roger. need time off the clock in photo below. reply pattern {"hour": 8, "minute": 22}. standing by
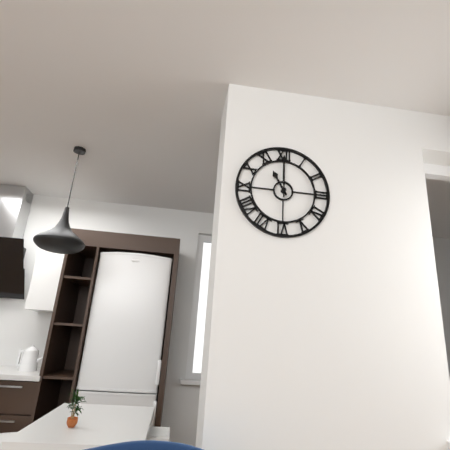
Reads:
{"hour": 11, "minute": 0}
